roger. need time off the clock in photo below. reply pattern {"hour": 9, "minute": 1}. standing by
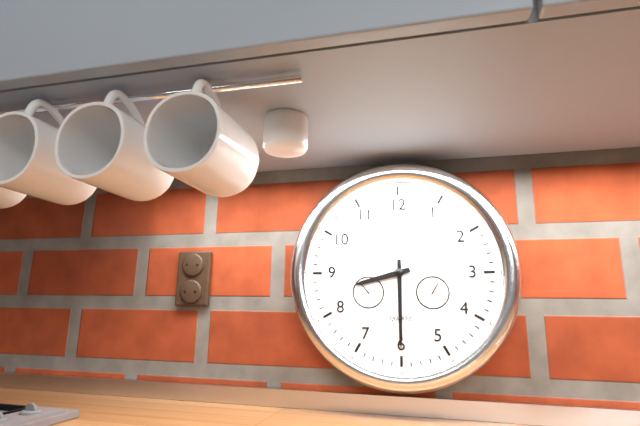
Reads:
{"hour": 8, "minute": 30}
